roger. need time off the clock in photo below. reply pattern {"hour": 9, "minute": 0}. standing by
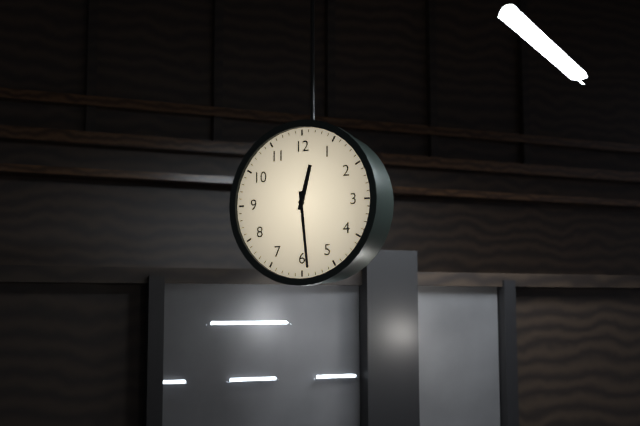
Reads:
{"hour": 12, "minute": 29}
